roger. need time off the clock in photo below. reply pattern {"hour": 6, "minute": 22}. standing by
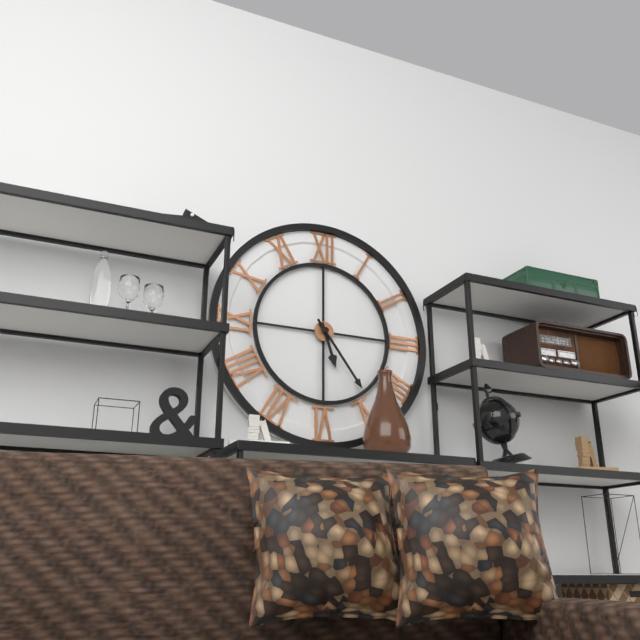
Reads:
{"hour": 5, "minute": 24}
